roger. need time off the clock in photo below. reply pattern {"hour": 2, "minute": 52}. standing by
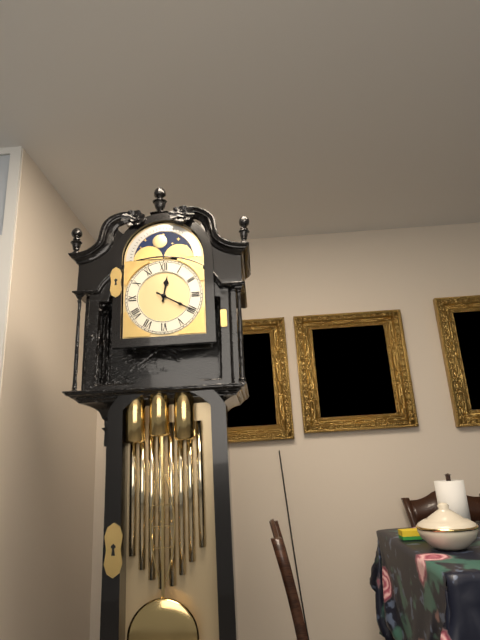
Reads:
{"hour": 12, "minute": 20}
